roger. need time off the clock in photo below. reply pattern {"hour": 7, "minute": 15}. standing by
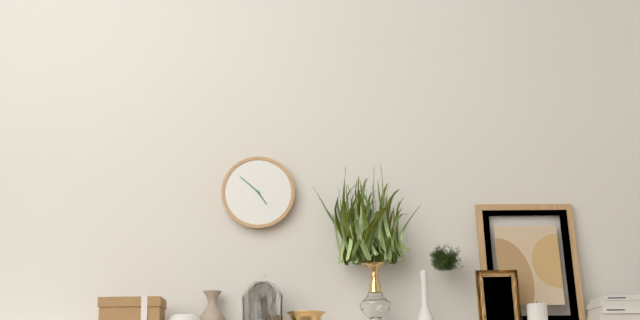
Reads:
{"hour": 4, "minute": 52}
